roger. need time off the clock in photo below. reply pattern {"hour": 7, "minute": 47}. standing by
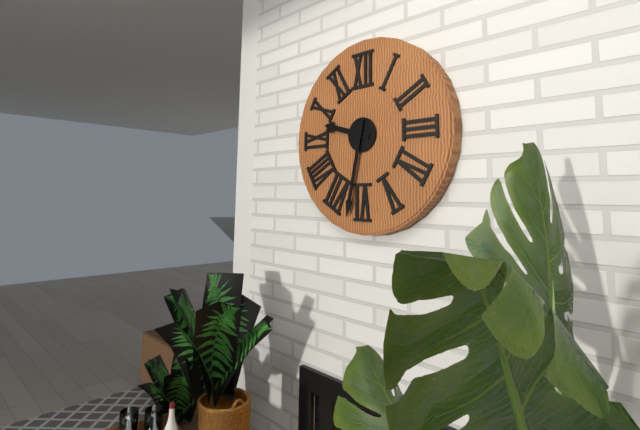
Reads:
{"hour": 9, "minute": 32}
